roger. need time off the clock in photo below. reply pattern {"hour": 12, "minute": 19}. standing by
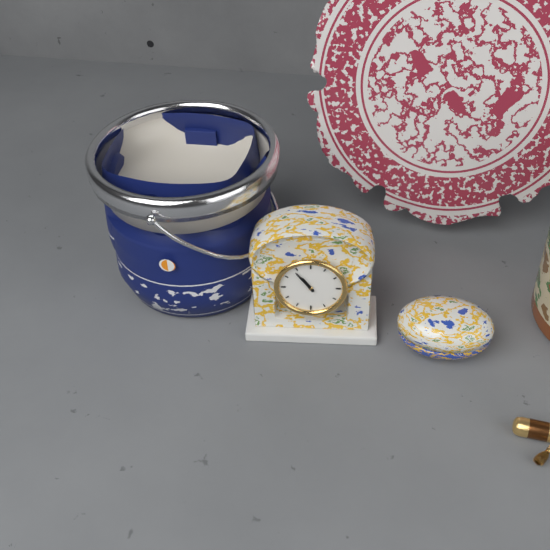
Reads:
{"hour": 10, "minute": 54}
